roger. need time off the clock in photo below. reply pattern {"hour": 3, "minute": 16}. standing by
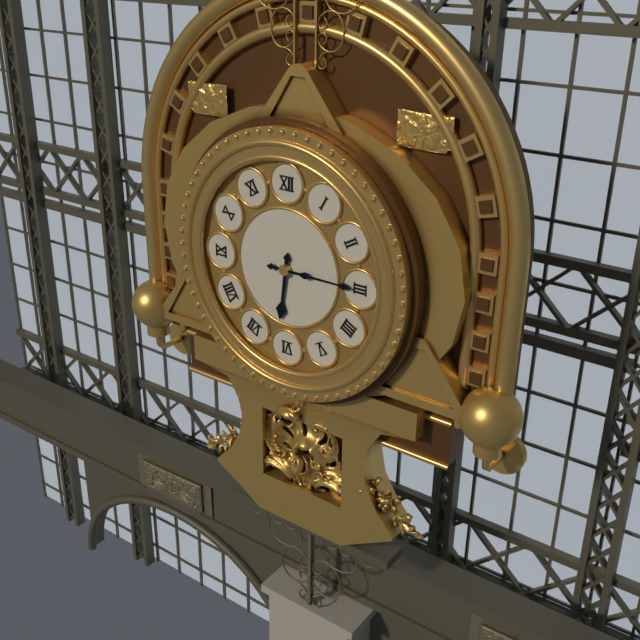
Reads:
{"hour": 6, "minute": 15}
